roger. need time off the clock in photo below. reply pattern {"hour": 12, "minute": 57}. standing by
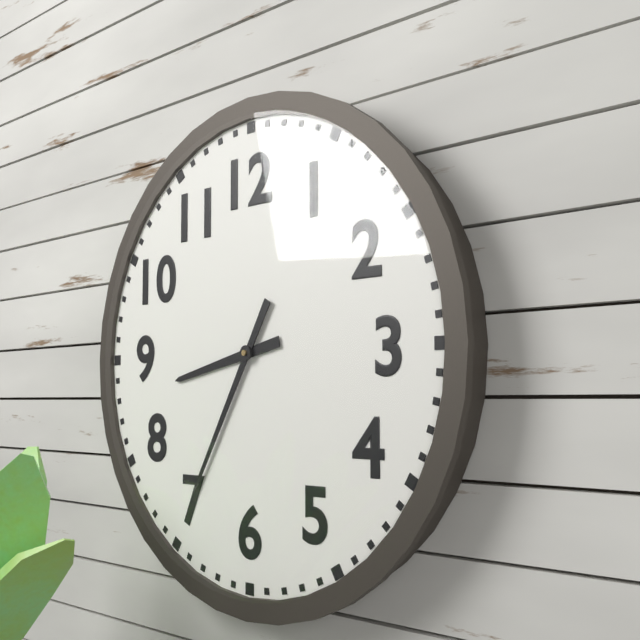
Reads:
{"hour": 8, "minute": 35}
